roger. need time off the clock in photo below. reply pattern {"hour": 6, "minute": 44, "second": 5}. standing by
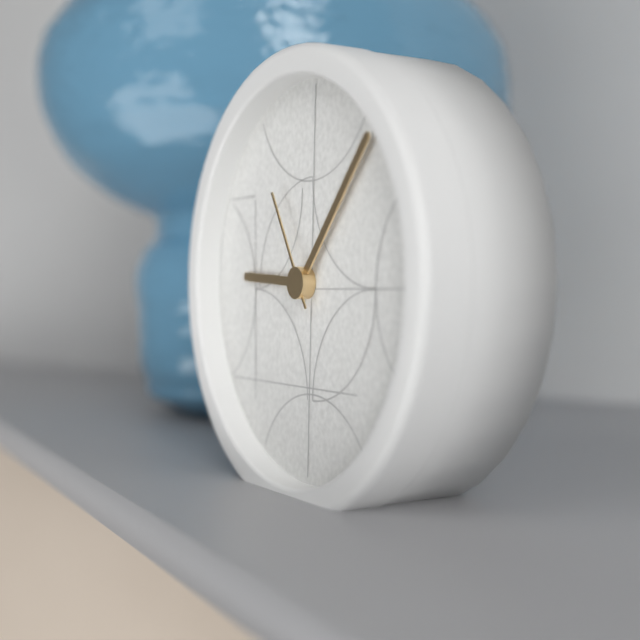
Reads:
{"hour": 9, "minute": 7, "second": 55}
